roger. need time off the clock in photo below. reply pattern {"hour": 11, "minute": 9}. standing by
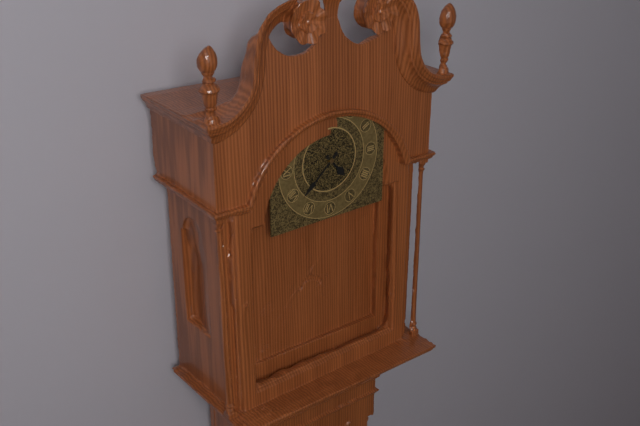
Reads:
{"hour": 4, "minute": 38}
